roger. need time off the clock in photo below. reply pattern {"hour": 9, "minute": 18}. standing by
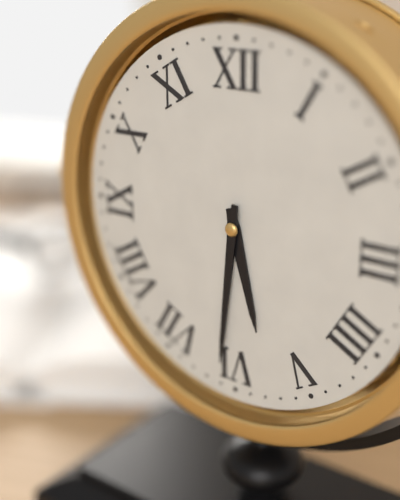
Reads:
{"hour": 5, "minute": 31}
